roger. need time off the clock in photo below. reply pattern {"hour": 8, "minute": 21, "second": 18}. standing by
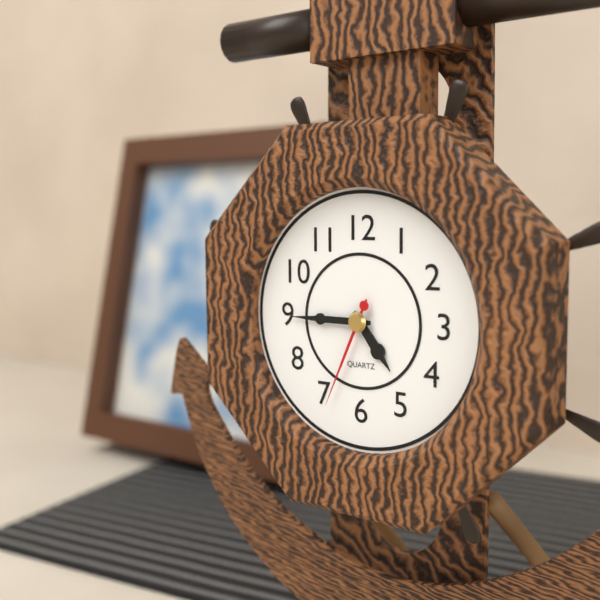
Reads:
{"hour": 4, "minute": 45, "second": 34}
